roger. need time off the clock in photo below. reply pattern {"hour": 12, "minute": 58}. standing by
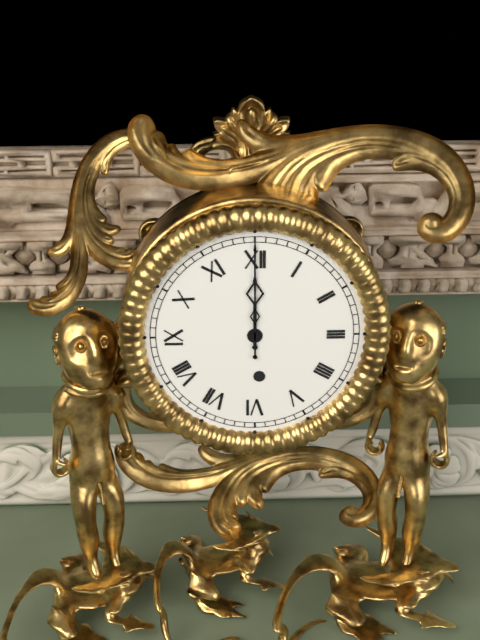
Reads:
{"hour": 12, "minute": 0}
